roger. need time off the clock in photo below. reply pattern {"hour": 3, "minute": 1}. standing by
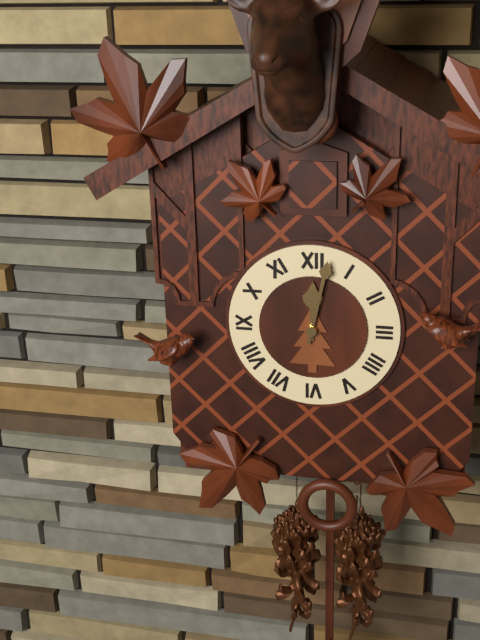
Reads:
{"hour": 12, "minute": 2}
